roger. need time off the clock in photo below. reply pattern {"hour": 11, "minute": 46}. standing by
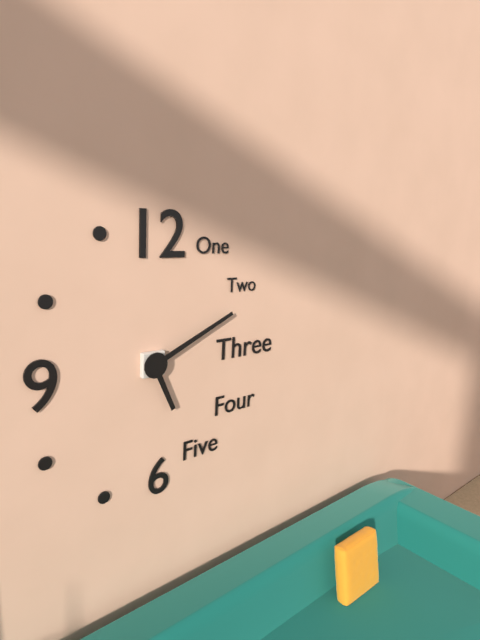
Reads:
{"hour": 5, "minute": 11}
